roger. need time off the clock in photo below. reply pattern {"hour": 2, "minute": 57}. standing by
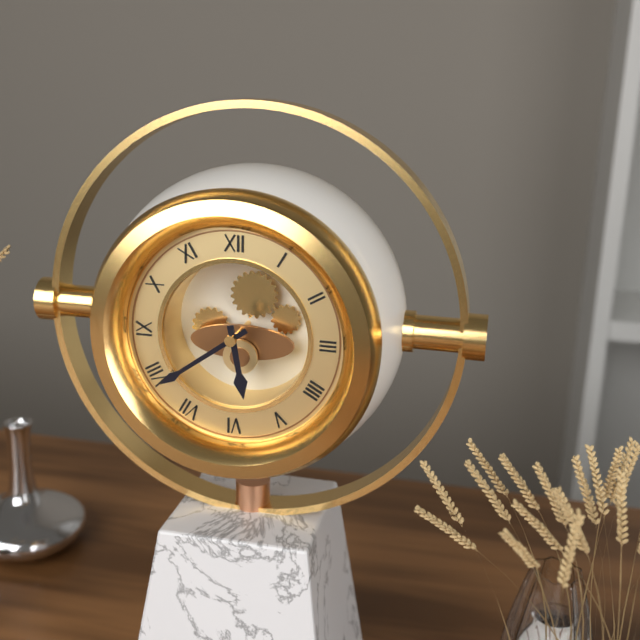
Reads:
{"hour": 5, "minute": 39}
